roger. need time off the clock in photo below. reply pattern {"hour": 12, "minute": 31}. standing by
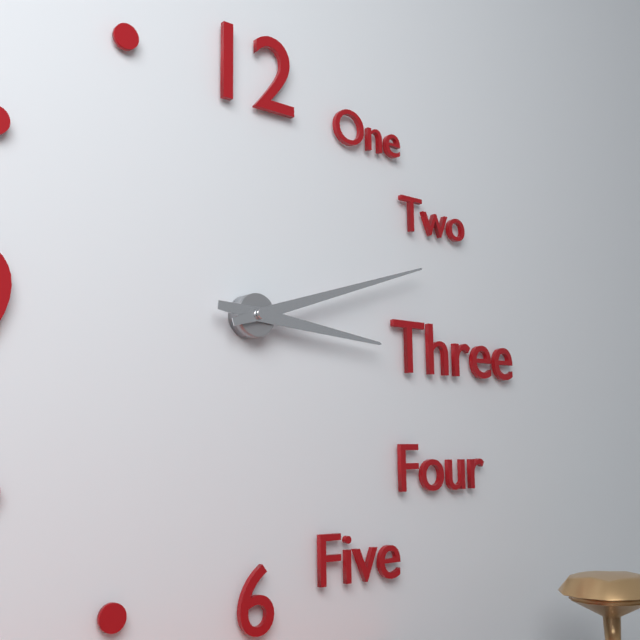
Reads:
{"hour": 3, "minute": 12}
